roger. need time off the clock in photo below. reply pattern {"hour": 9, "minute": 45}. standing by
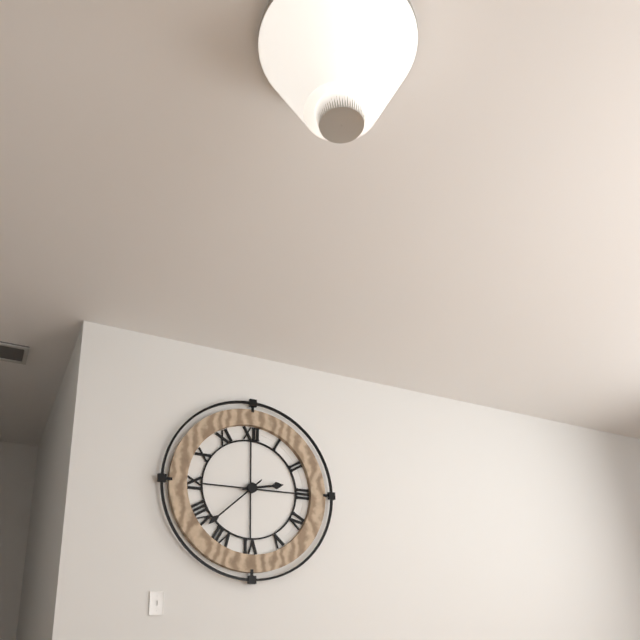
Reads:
{"hour": 2, "minute": 38}
